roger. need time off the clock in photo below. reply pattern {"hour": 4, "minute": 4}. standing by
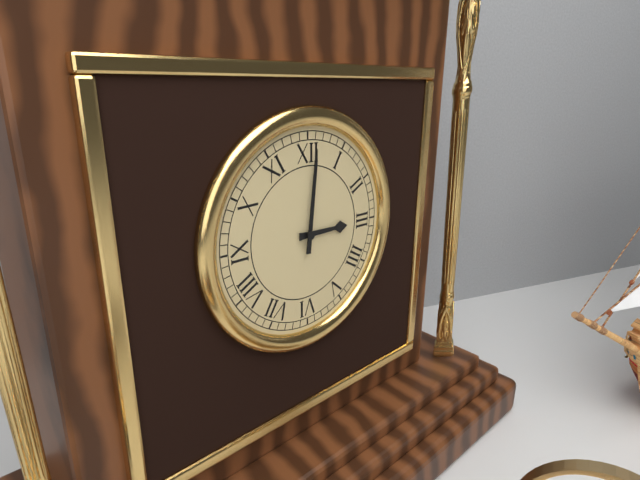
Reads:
{"hour": 3, "minute": 1}
